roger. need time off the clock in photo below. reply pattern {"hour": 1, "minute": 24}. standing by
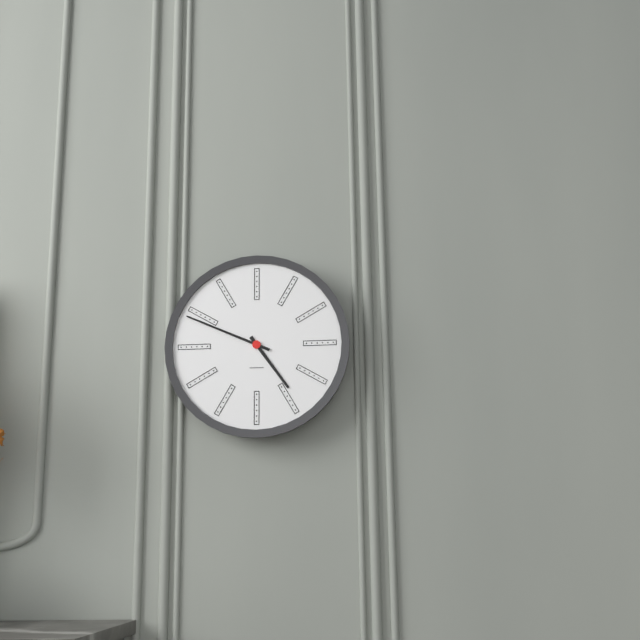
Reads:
{"hour": 4, "minute": 49}
